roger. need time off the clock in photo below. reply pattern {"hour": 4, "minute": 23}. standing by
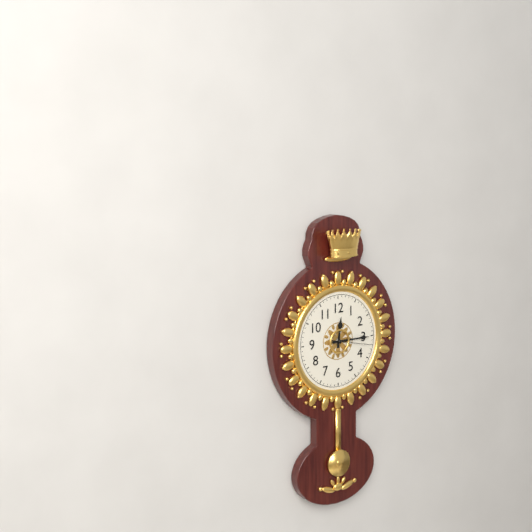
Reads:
{"hour": 12, "minute": 15}
